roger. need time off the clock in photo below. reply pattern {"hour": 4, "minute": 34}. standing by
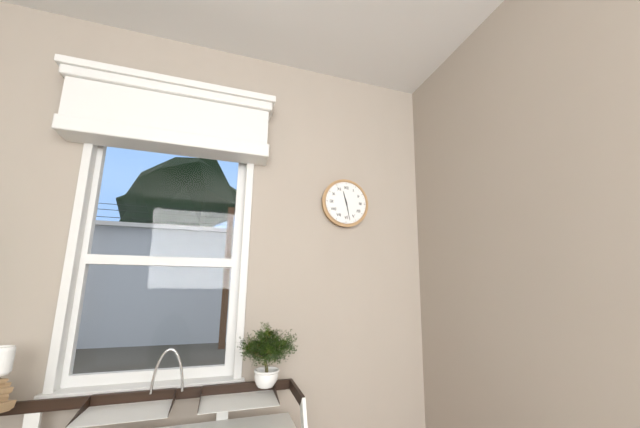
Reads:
{"hour": 11, "minute": 28}
